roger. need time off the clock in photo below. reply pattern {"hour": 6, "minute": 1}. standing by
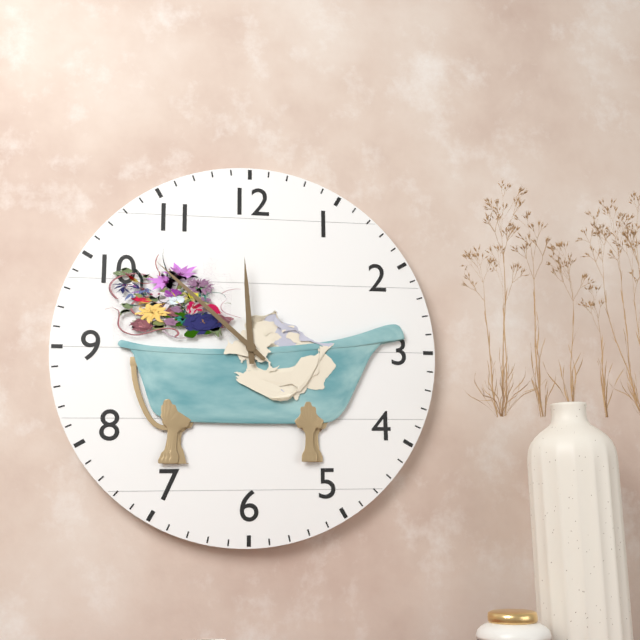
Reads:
{"hour": 11, "minute": 52}
